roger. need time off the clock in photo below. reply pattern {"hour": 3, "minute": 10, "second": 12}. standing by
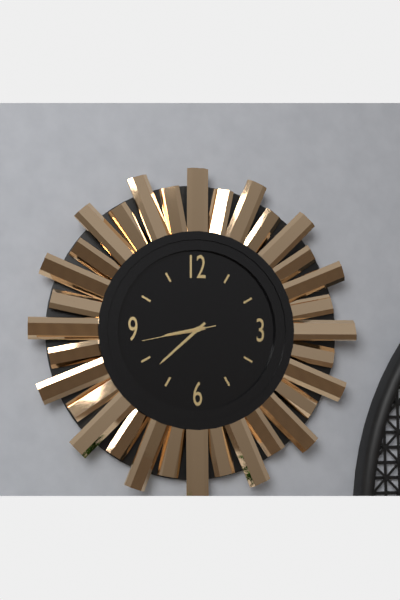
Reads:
{"hour": 8, "minute": 38, "second": 43}
